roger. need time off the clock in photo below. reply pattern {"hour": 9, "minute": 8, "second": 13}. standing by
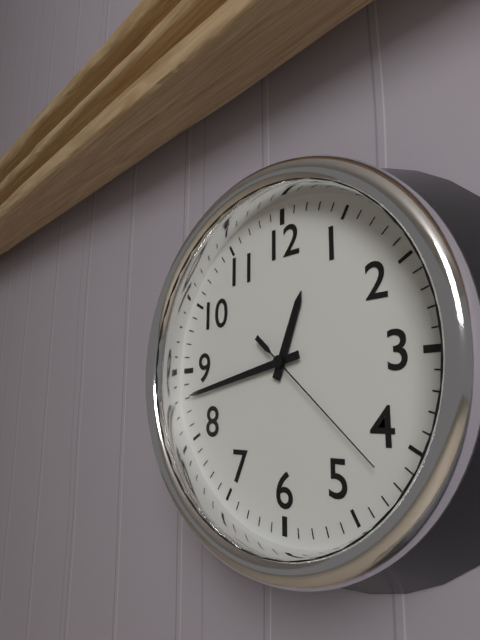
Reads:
{"hour": 12, "minute": 43, "second": 22}
